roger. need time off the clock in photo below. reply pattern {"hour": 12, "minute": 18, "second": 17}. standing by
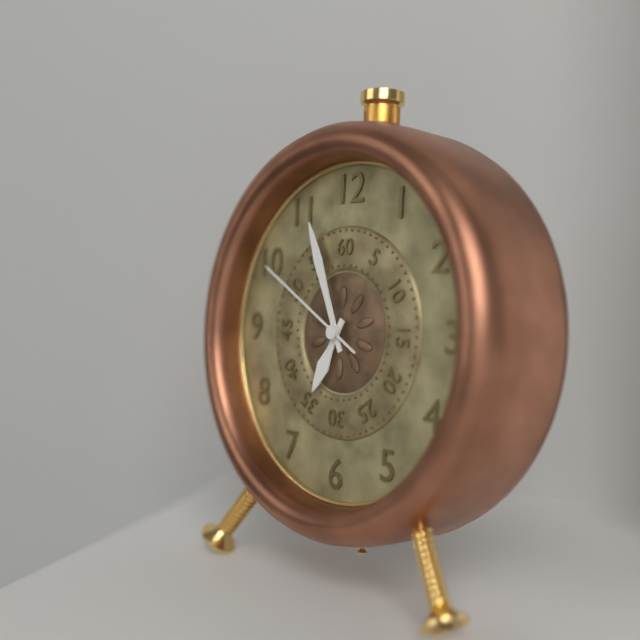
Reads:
{"hour": 6, "minute": 56, "second": 50}
